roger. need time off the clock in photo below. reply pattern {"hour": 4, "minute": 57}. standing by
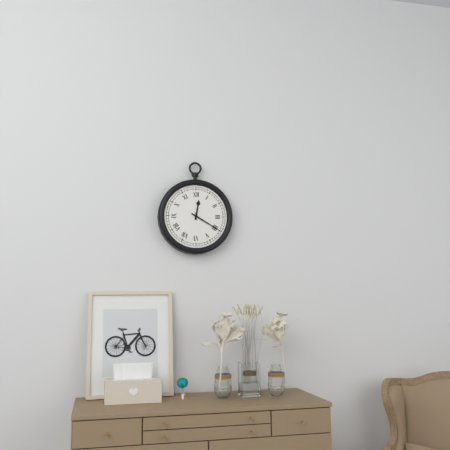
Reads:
{"hour": 12, "minute": 20}
